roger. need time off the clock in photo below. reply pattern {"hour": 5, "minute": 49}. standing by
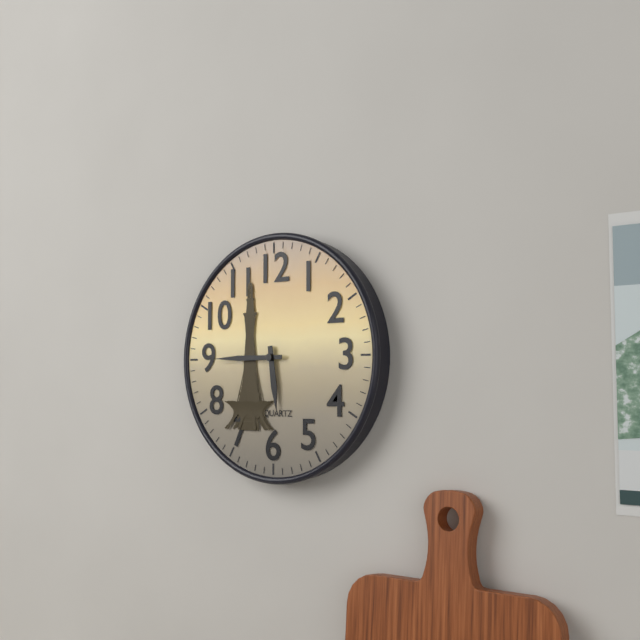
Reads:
{"hour": 5, "minute": 45}
